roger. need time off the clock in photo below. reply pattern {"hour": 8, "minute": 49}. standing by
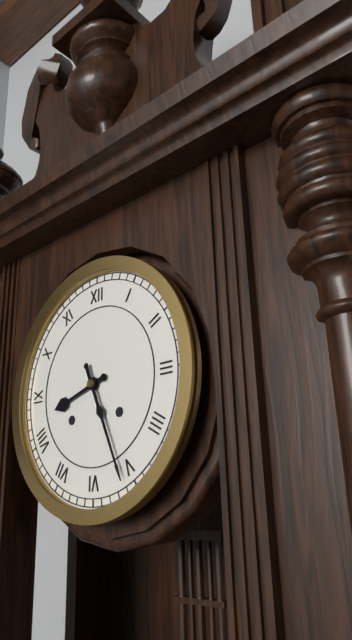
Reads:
{"hour": 8, "minute": 26}
